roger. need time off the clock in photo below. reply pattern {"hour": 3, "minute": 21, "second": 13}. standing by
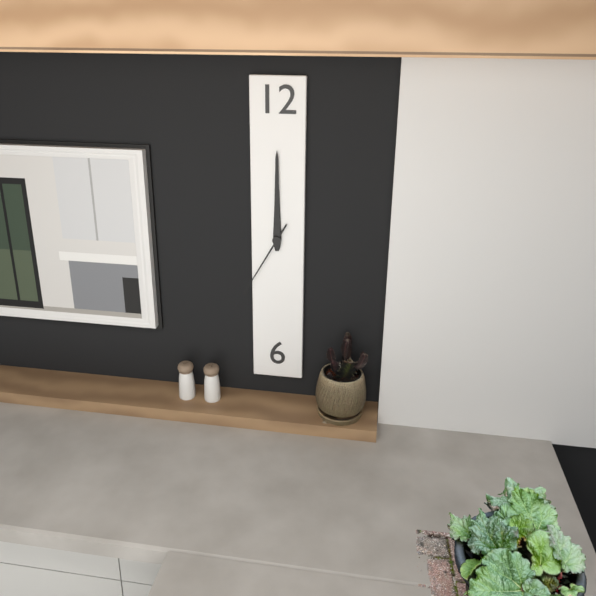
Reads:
{"hour": 12, "minute": 0, "second": 35}
